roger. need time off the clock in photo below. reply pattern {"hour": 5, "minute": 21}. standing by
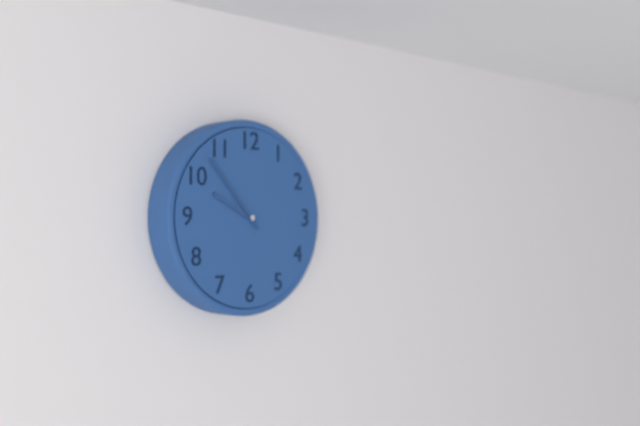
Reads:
{"hour": 9, "minute": 53}
